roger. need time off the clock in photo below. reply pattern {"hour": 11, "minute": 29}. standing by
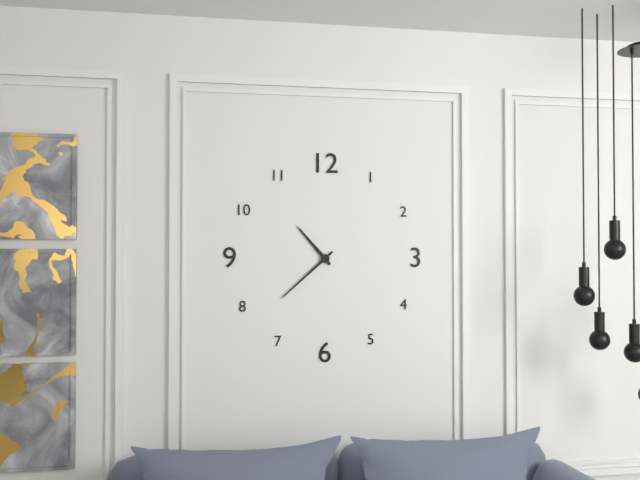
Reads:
{"hour": 10, "minute": 38}
